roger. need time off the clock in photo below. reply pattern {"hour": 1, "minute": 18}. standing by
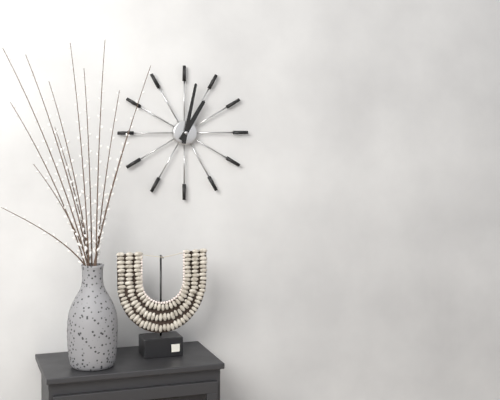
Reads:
{"hour": 1, "minute": 2}
